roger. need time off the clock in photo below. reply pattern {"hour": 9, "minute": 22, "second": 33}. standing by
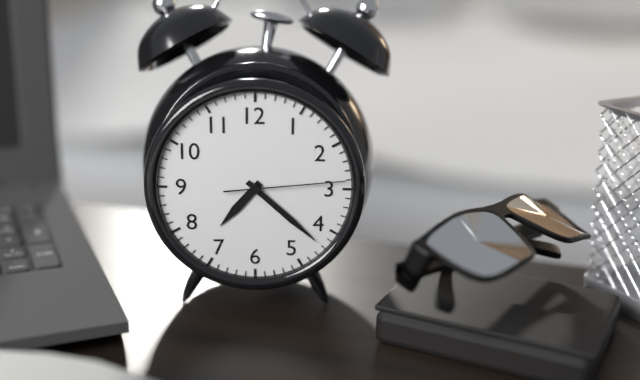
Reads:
{"hour": 7, "minute": 22, "second": 14}
